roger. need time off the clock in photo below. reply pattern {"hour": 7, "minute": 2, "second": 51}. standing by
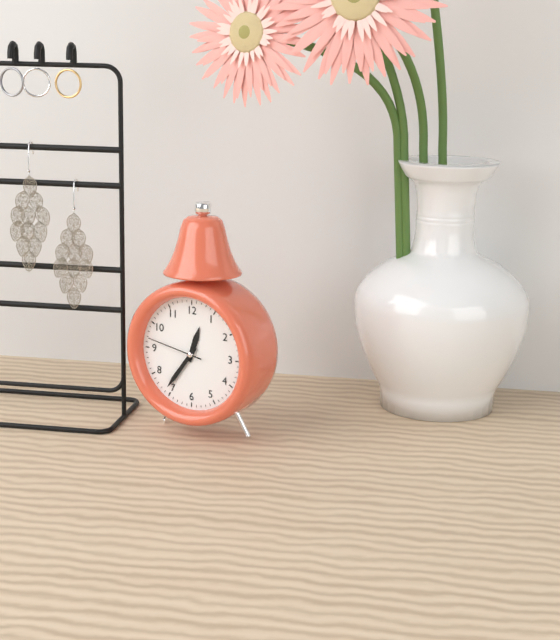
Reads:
{"hour": 12, "minute": 36, "second": 47}
